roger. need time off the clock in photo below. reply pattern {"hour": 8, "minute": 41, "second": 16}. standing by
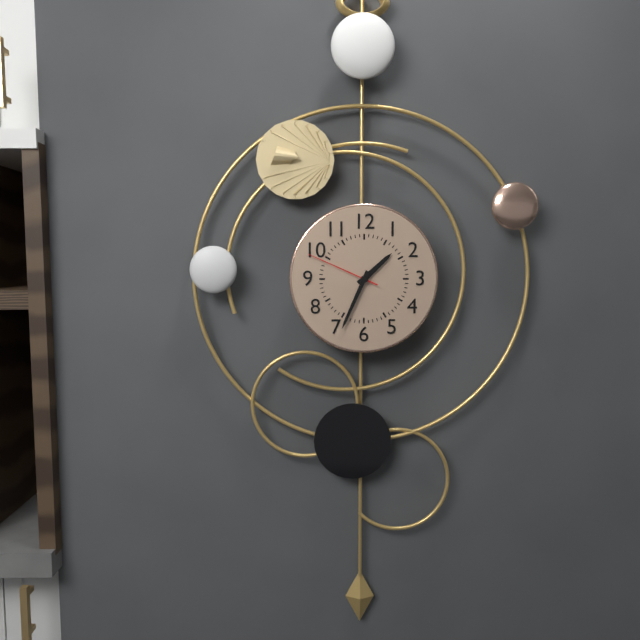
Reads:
{"hour": 1, "minute": 34, "second": 49}
